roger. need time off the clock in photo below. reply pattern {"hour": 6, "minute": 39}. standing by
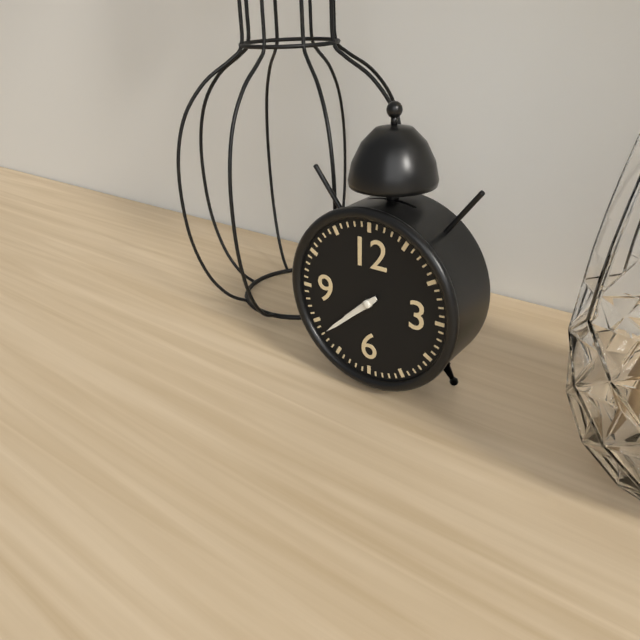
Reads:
{"hour": 7, "minute": 38}
